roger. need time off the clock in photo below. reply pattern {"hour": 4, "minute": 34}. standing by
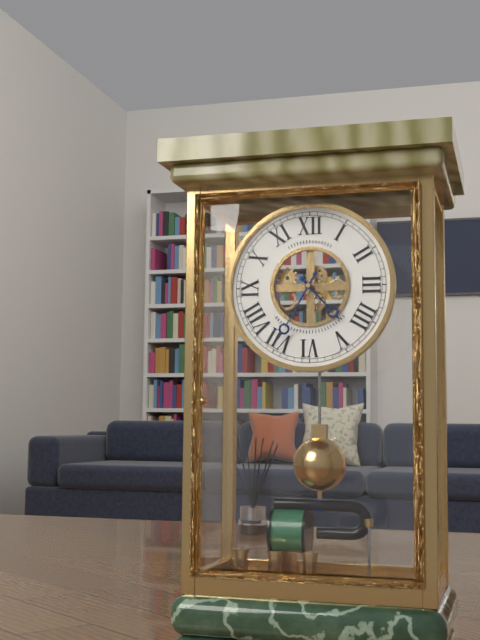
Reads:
{"hour": 4, "minute": 35}
